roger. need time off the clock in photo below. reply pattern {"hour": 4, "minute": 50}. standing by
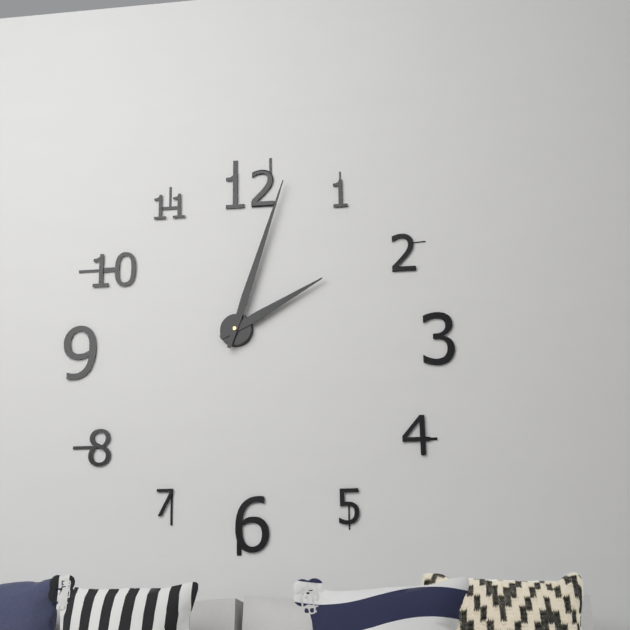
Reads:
{"hour": 2, "minute": 3}
